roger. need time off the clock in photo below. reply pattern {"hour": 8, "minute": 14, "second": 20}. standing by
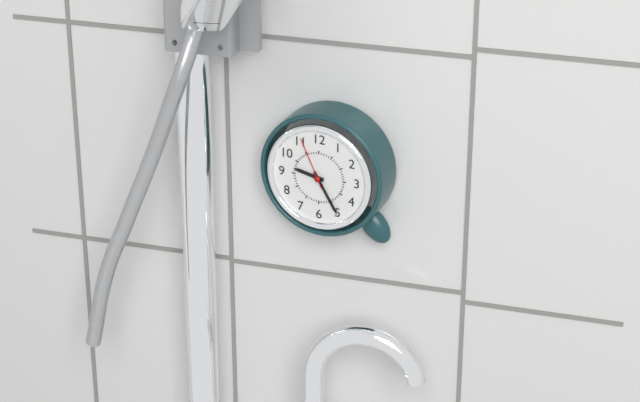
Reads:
{"hour": 9, "minute": 25, "second": 56}
